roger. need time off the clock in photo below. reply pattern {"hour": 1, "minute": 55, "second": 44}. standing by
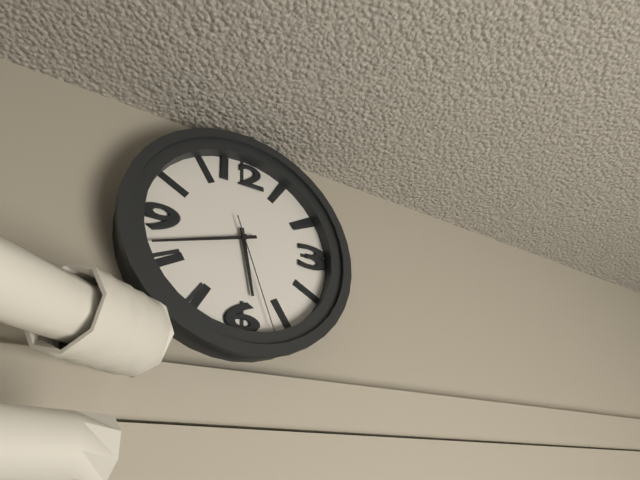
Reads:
{"hour": 5, "minute": 42, "second": 27}
